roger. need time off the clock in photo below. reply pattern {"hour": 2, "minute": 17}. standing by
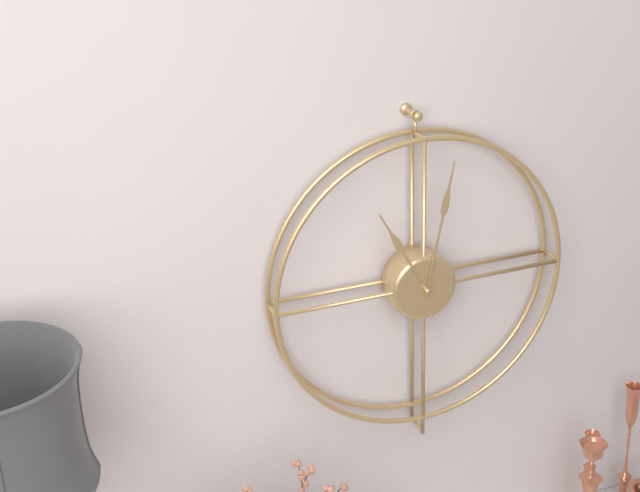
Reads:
{"hour": 11, "minute": 2}
